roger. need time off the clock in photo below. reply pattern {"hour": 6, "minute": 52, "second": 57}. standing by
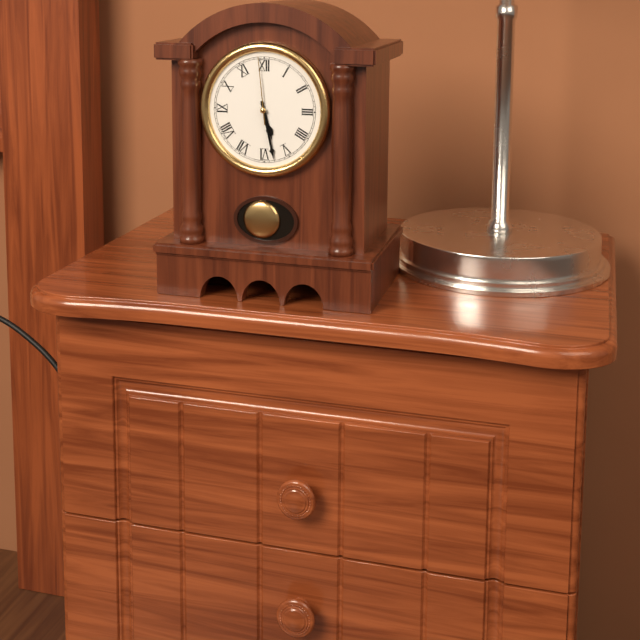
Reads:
{"hour": 5, "minute": 28, "second": 59}
